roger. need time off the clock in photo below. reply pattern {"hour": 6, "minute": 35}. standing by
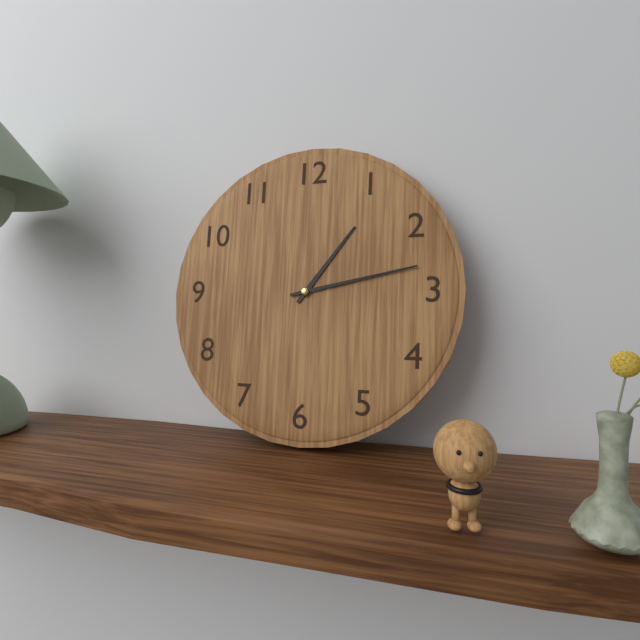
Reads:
{"hour": 1, "minute": 13}
